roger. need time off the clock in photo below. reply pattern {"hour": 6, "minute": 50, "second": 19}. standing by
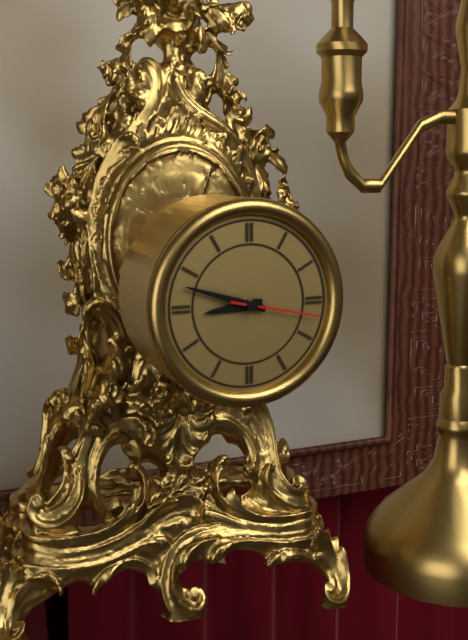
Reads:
{"hour": 8, "minute": 48, "second": 17}
